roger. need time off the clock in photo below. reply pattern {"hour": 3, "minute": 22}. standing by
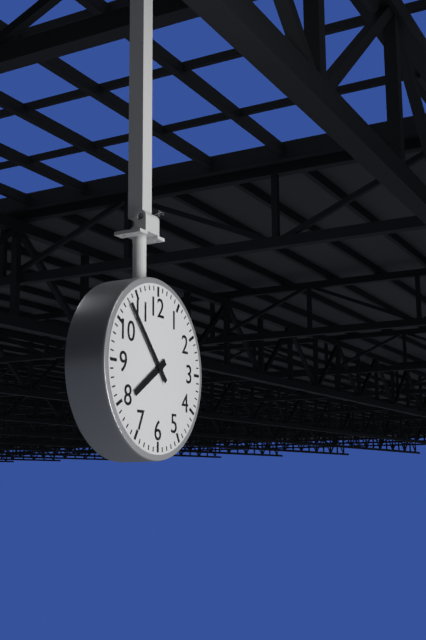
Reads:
{"hour": 7, "minute": 53}
